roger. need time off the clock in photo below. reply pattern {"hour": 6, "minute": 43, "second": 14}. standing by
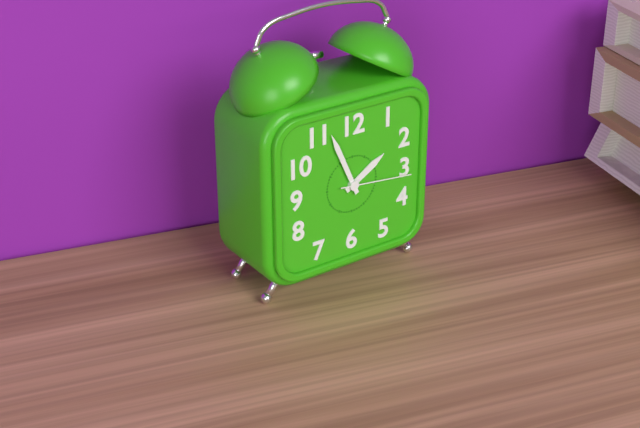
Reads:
{"hour": 1, "minute": 56, "second": 16}
